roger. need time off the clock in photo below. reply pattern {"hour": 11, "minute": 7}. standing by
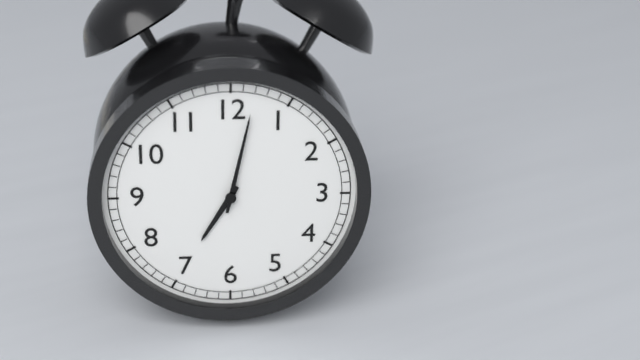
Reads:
{"hour": 7, "minute": 2}
